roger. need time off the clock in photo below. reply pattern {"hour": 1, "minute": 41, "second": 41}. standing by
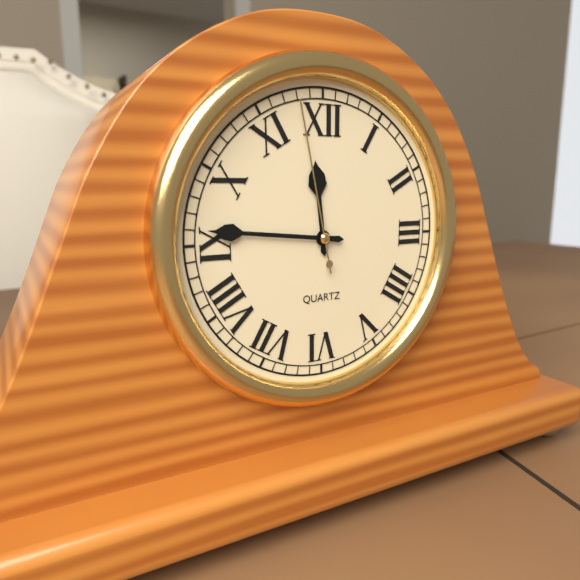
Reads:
{"hour": 11, "minute": 46, "second": 58}
